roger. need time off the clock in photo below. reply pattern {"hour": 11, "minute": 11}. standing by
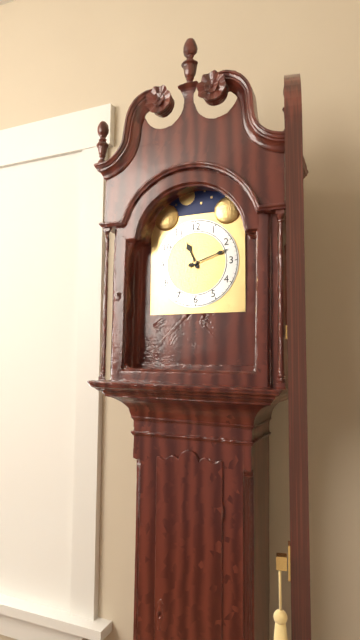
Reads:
{"hour": 11, "minute": 12}
